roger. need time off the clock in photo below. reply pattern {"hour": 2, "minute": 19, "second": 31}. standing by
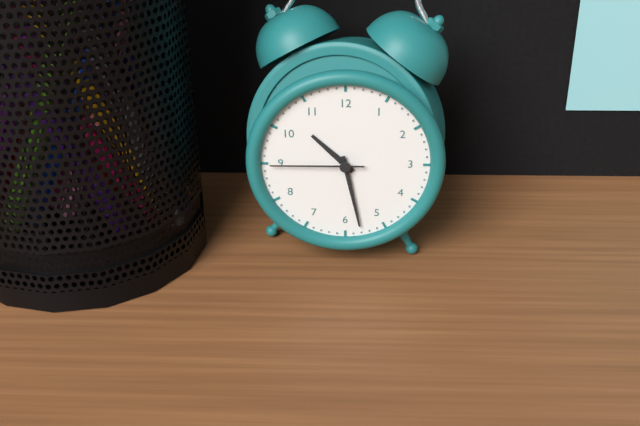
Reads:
{"hour": 10, "minute": 28, "second": 45}
